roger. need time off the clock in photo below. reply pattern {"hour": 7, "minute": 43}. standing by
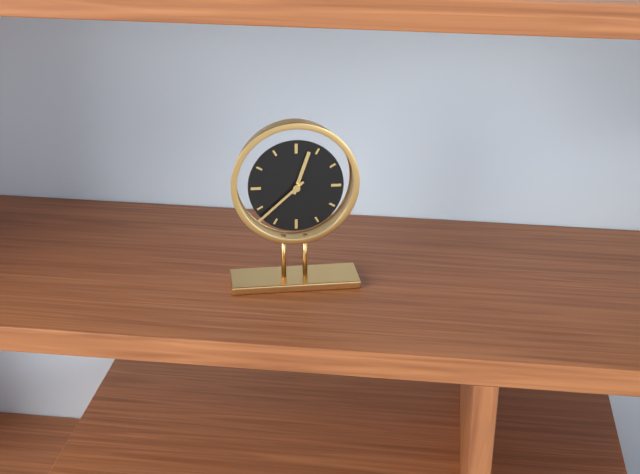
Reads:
{"hour": 12, "minute": 38}
